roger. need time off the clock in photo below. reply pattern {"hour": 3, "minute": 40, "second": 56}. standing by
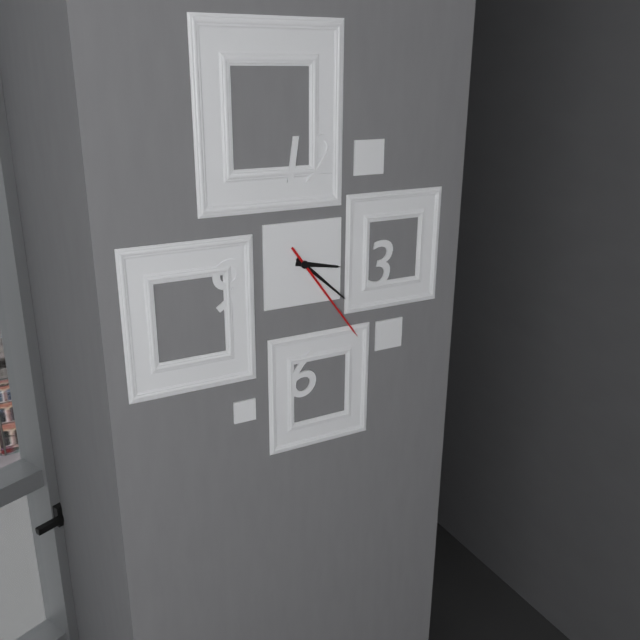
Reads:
{"hour": 3, "minute": 22, "second": 24}
